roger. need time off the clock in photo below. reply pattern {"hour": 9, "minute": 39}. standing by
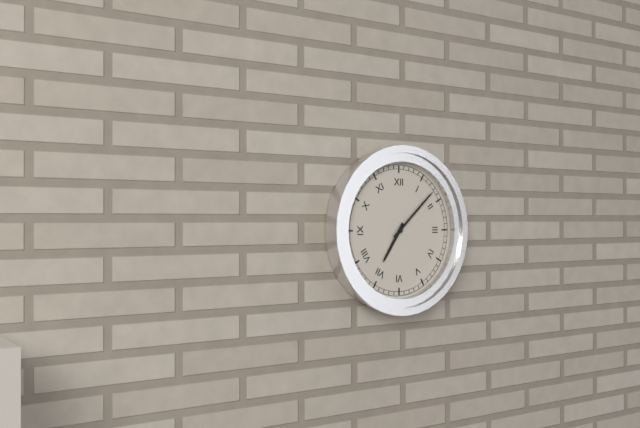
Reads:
{"hour": 7, "minute": 8}
